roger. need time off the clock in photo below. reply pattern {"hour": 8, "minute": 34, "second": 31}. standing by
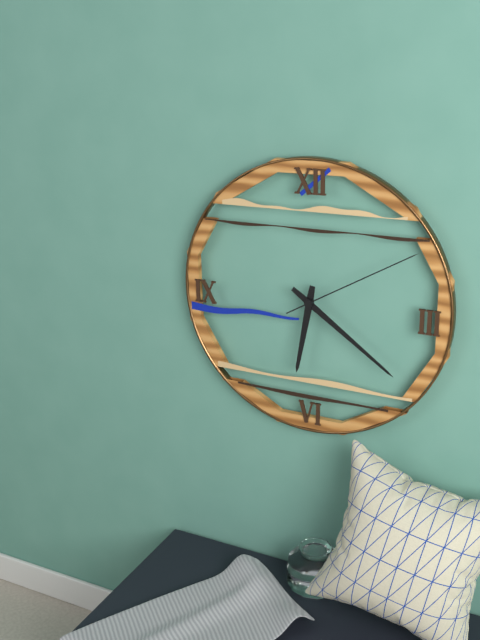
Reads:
{"hour": 6, "minute": 21, "second": 10}
